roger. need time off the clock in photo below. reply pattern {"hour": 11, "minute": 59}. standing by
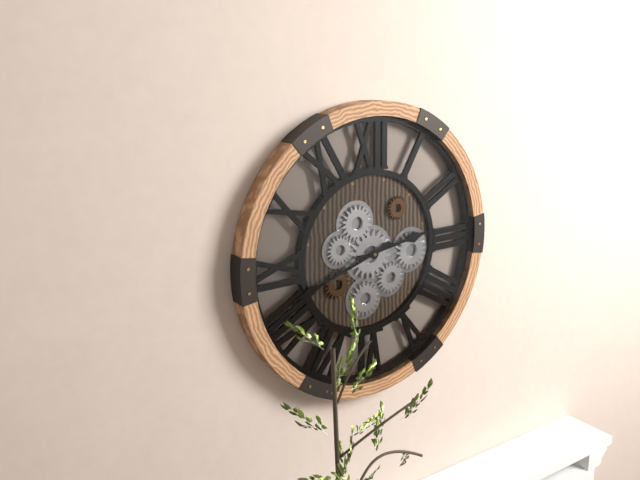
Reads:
{"hour": 2, "minute": 42}
